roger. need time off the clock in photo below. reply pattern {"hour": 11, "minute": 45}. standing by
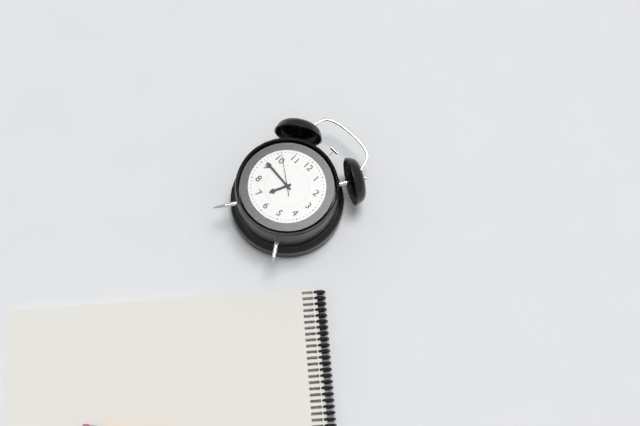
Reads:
{"hour": 6, "minute": 46}
